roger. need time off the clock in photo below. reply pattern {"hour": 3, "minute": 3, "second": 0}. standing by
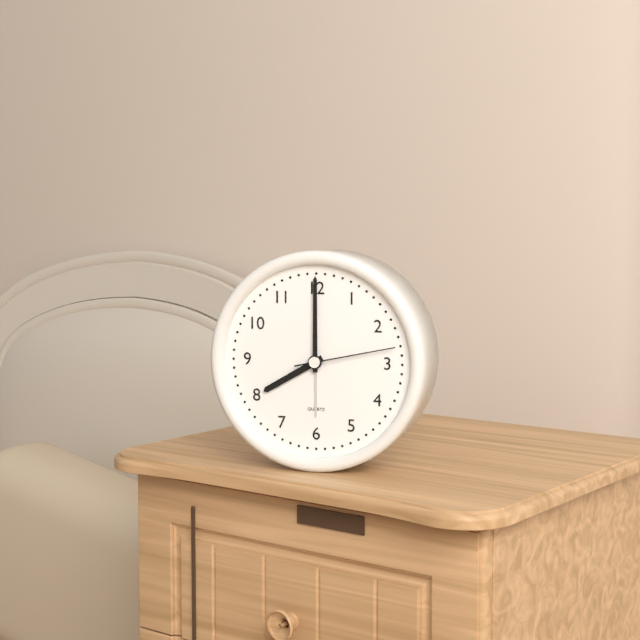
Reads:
{"hour": 8, "minute": 0, "second": 13}
